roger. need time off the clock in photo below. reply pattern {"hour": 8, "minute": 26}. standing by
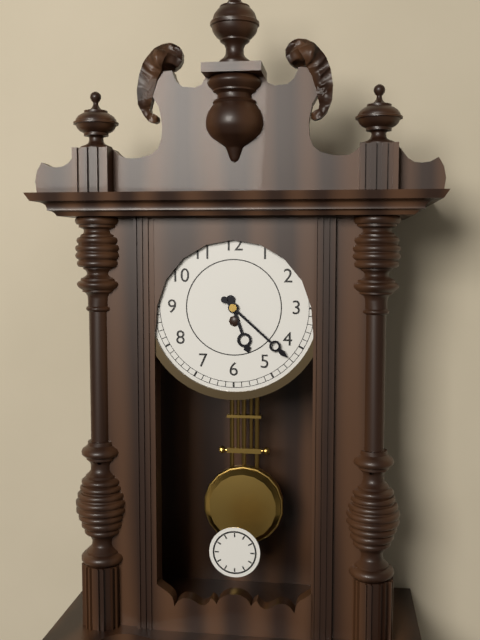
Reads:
{"hour": 5, "minute": 22}
